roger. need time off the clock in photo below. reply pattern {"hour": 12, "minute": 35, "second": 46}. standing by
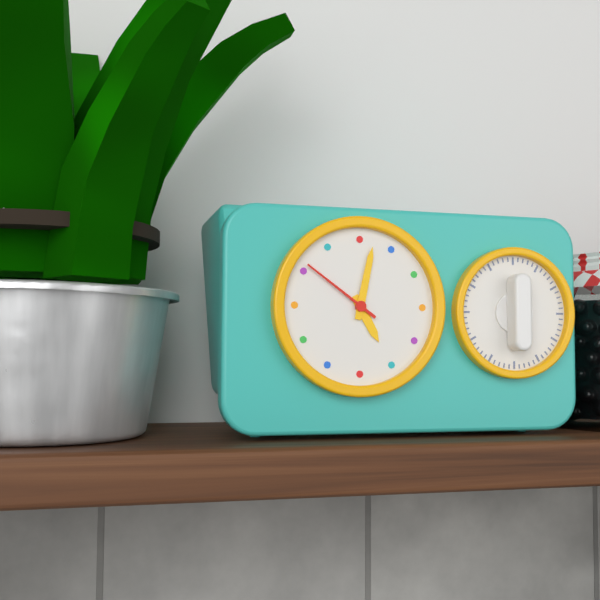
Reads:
{"hour": 5, "minute": 2, "second": 51}
